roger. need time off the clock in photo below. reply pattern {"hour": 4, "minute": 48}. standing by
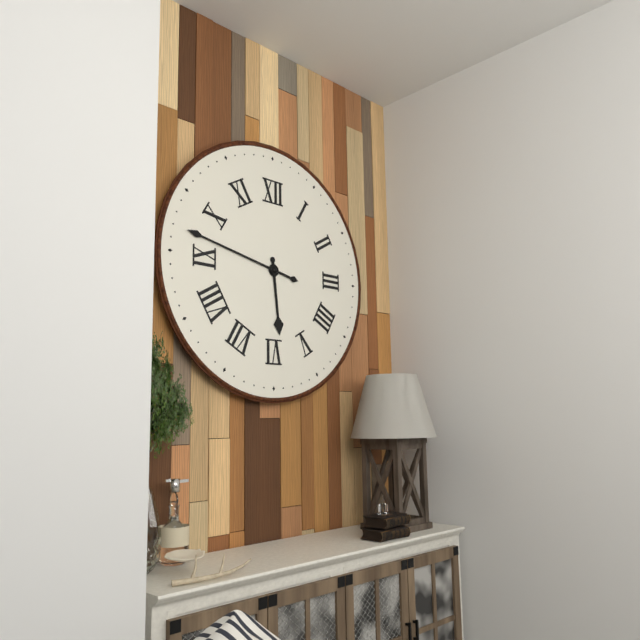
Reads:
{"hour": 5, "minute": 47}
